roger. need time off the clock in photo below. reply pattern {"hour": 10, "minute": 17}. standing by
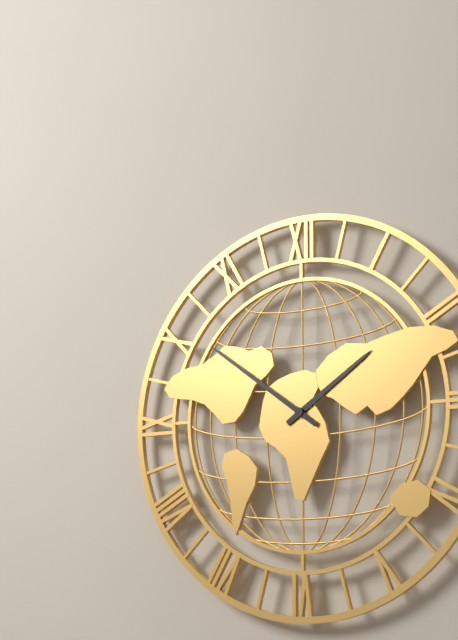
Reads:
{"hour": 1, "minute": 51}
